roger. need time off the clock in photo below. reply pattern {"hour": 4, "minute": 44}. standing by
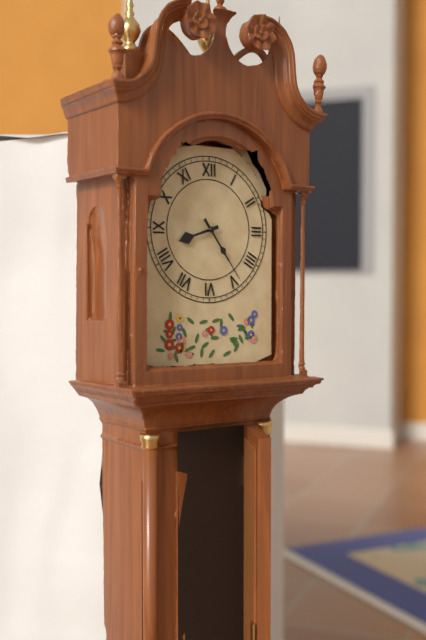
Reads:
{"hour": 8, "minute": 24}
